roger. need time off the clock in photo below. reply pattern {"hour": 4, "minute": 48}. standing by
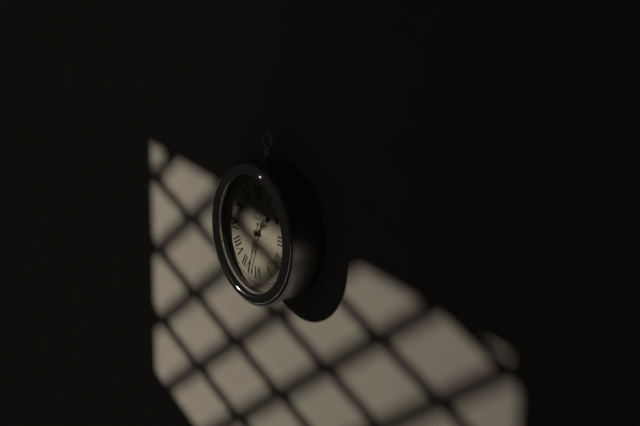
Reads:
{"hour": 1, "minute": 33}
